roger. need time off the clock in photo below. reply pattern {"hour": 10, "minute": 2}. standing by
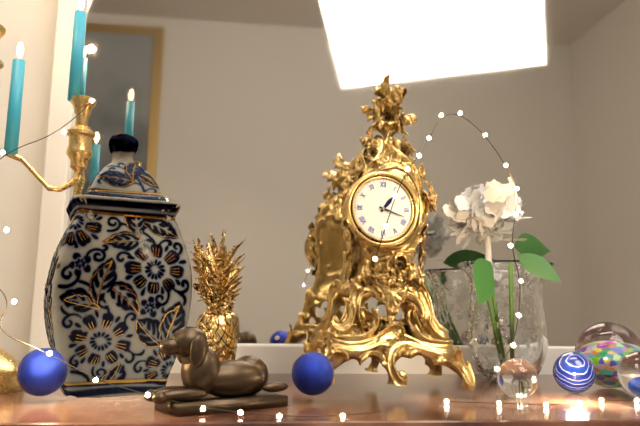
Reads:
{"hour": 1, "minute": 18}
